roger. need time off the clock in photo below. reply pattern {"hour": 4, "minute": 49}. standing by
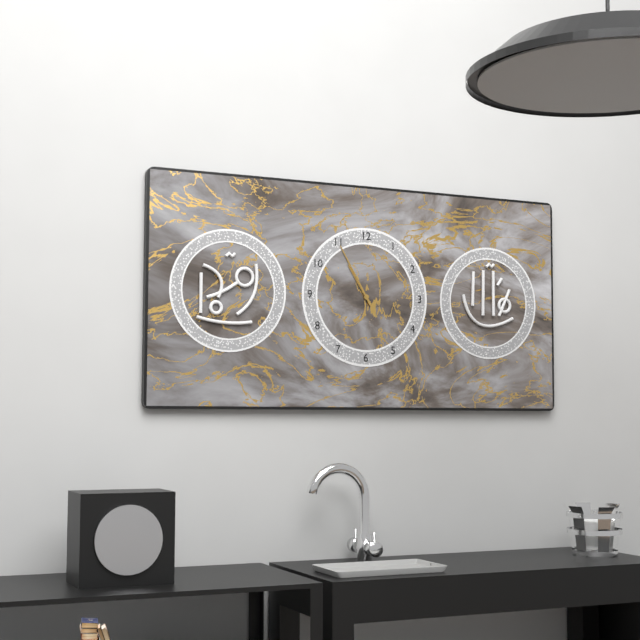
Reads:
{"hour": 10, "minute": 55}
